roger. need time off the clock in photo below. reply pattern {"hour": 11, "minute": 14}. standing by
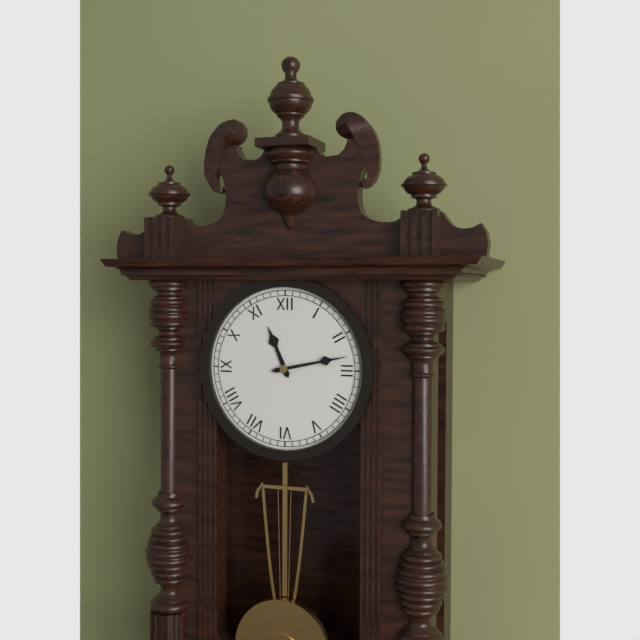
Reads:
{"hour": 11, "minute": 13}
